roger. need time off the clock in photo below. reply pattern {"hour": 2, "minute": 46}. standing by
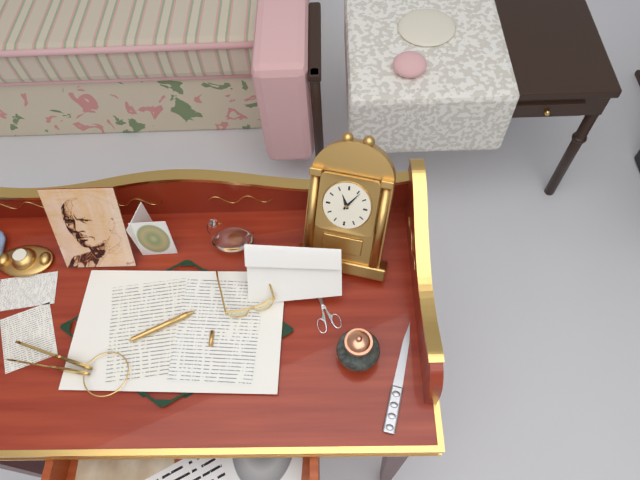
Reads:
{"hour": 11, "minute": 6}
